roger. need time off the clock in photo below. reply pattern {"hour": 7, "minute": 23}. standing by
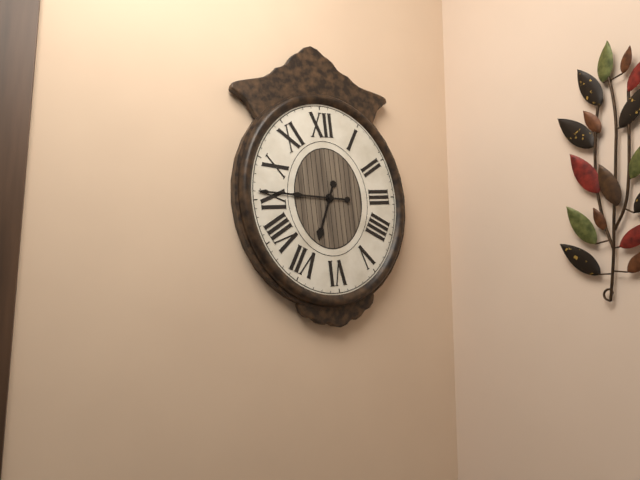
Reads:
{"hour": 6, "minute": 46}
